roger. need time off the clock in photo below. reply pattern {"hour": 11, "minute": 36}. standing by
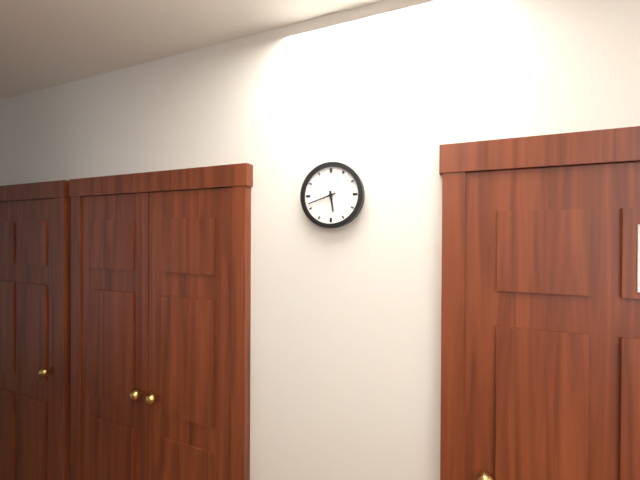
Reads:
{"hour": 5, "minute": 42}
